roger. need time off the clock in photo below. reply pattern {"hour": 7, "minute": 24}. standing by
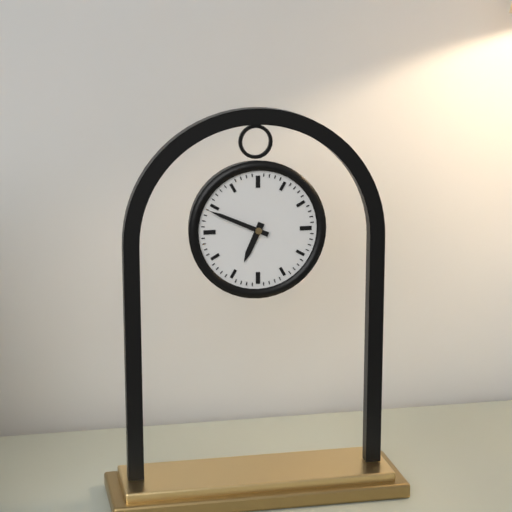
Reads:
{"hour": 6, "minute": 49}
